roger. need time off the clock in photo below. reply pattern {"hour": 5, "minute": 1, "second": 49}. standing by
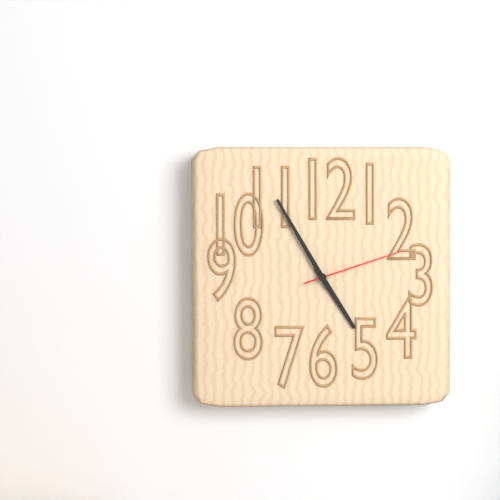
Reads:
{"hour": 4, "minute": 55, "second": 12}
